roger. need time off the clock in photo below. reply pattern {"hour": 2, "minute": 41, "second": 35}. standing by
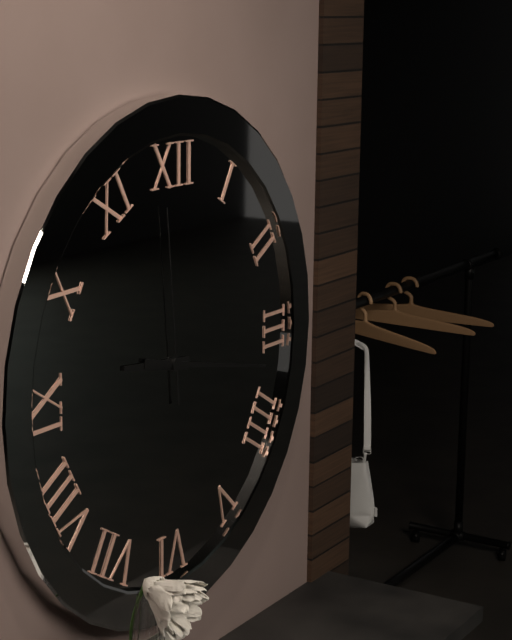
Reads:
{"hour": 9, "minute": 17, "second": 59}
